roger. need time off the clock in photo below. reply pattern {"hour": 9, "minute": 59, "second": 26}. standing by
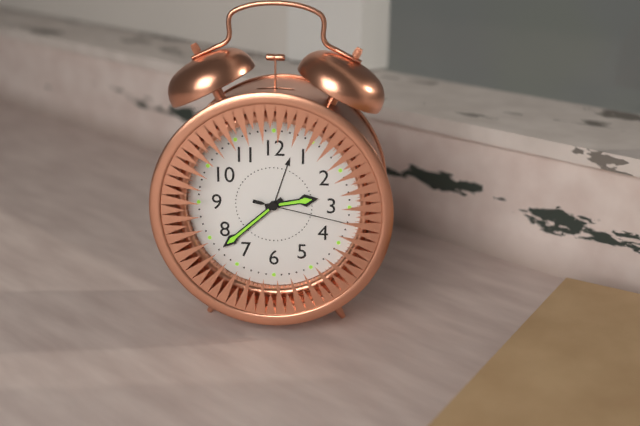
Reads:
{"hour": 2, "minute": 38, "second": 17}
